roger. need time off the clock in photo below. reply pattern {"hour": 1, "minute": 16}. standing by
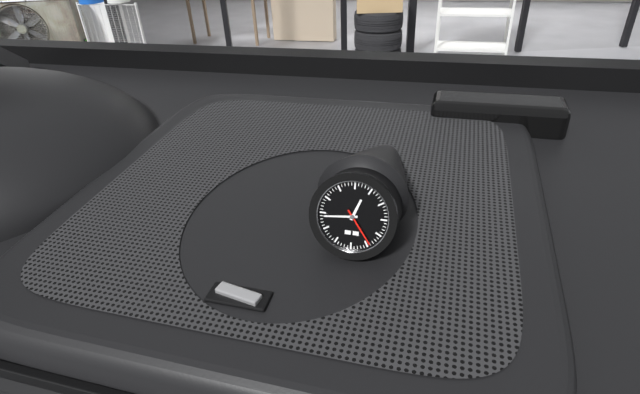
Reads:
{"hour": 12, "minute": 44}
